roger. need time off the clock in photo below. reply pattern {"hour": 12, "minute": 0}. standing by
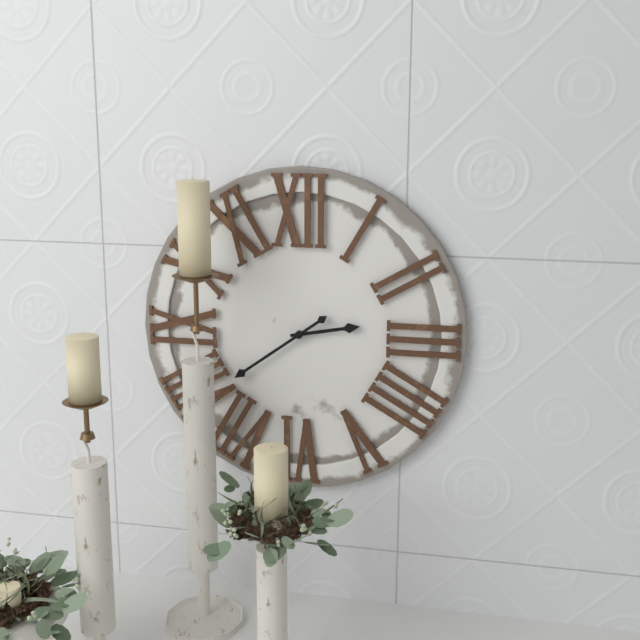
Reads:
{"hour": 2, "minute": 39}
